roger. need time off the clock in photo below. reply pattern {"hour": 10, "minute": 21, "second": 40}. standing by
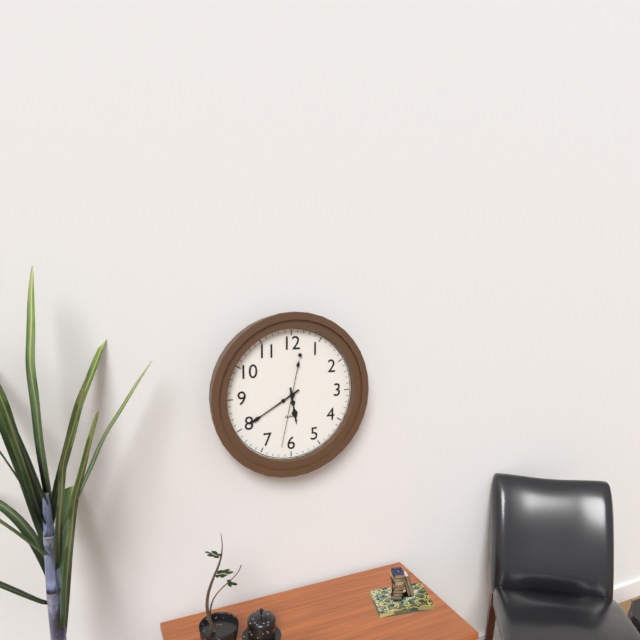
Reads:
{"hour": 5, "minute": 40, "second": 32}
